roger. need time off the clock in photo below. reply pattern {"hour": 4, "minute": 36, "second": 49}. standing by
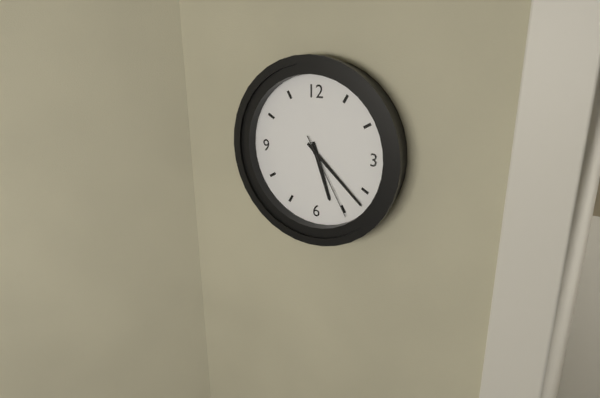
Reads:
{"hour": 5, "minute": 22, "second": 25}
